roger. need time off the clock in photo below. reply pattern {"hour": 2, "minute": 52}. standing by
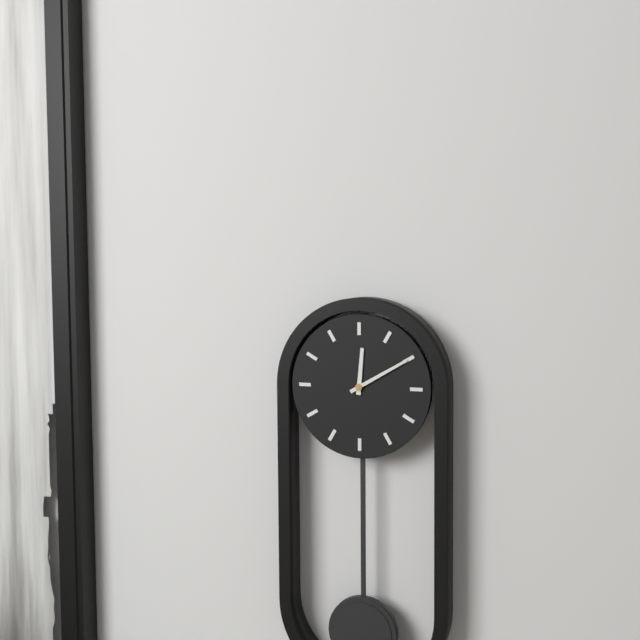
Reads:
{"hour": 12, "minute": 10}
